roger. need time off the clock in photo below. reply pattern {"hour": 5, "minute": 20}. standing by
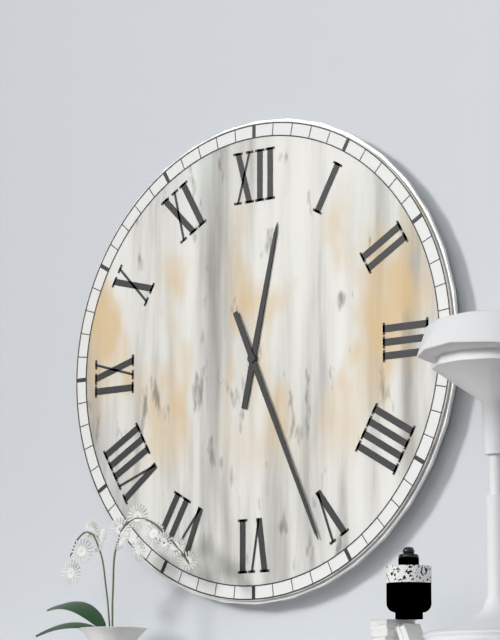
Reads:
{"hour": 12, "minute": 26}
